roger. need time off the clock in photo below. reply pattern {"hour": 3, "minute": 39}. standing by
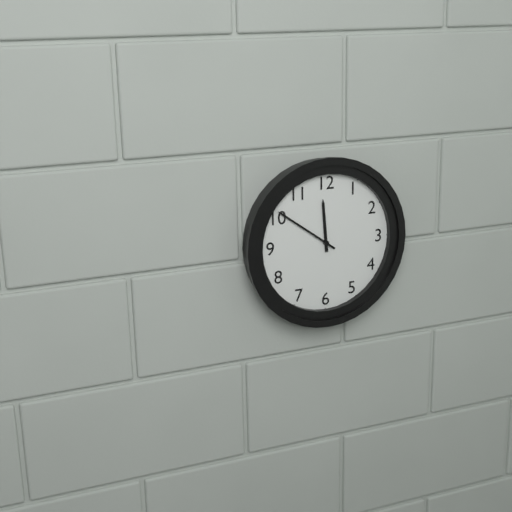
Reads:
{"hour": 11, "minute": 51}
